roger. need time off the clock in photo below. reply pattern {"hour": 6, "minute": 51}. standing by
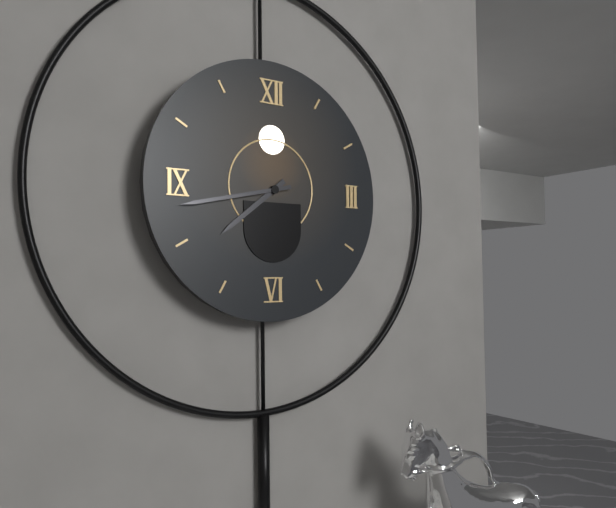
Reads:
{"hour": 7, "minute": 43}
